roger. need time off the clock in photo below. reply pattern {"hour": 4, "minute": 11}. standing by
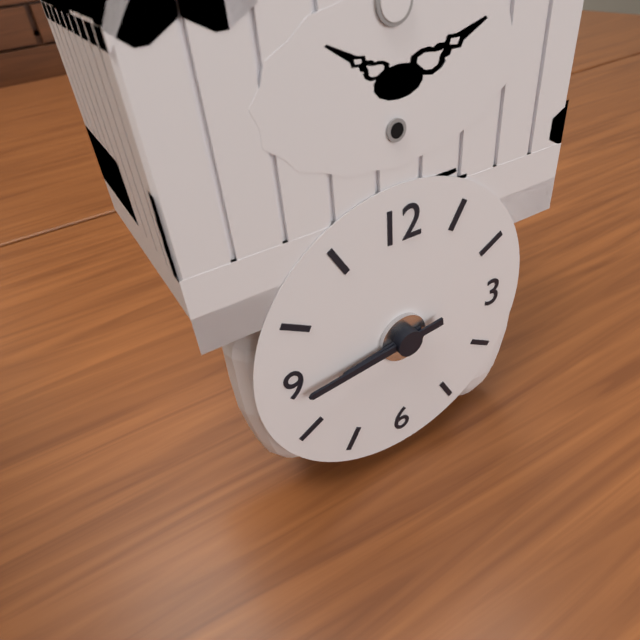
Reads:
{"hour": 8, "minute": 44}
